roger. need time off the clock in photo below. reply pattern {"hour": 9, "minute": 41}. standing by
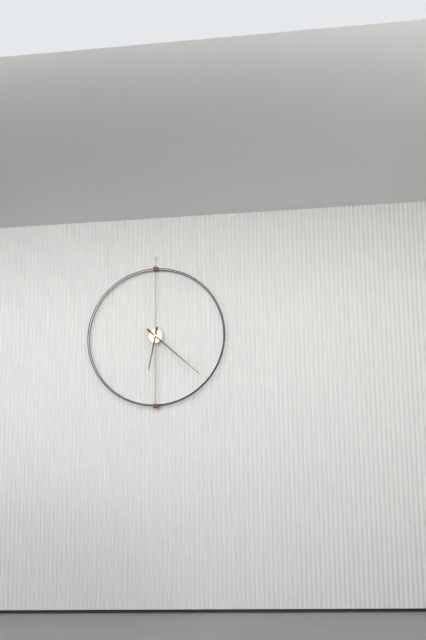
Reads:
{"hour": 6, "minute": 22}
